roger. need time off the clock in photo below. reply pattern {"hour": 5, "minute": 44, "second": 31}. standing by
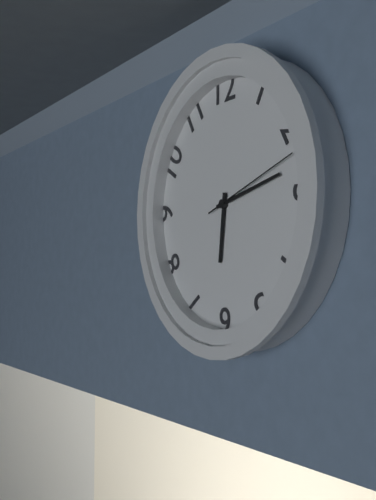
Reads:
{"hour": 6, "minute": 13, "second": 12}
